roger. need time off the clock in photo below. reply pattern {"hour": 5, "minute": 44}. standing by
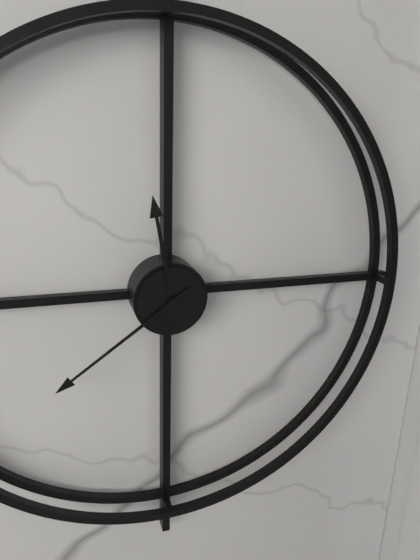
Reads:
{"hour": 11, "minute": 39}
